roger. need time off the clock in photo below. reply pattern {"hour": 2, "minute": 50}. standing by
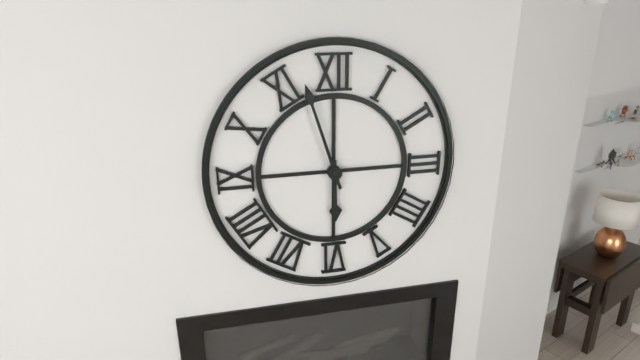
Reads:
{"hour": 5, "minute": 57}
